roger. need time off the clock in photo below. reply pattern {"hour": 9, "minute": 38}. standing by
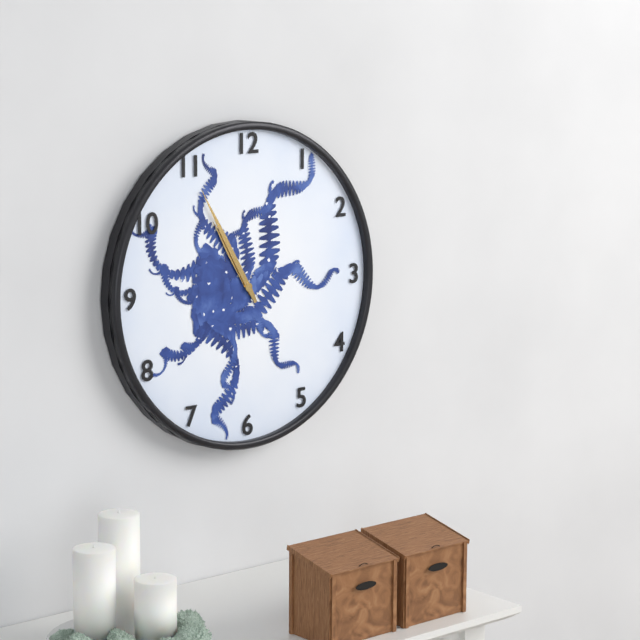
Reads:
{"hour": 10, "minute": 55}
